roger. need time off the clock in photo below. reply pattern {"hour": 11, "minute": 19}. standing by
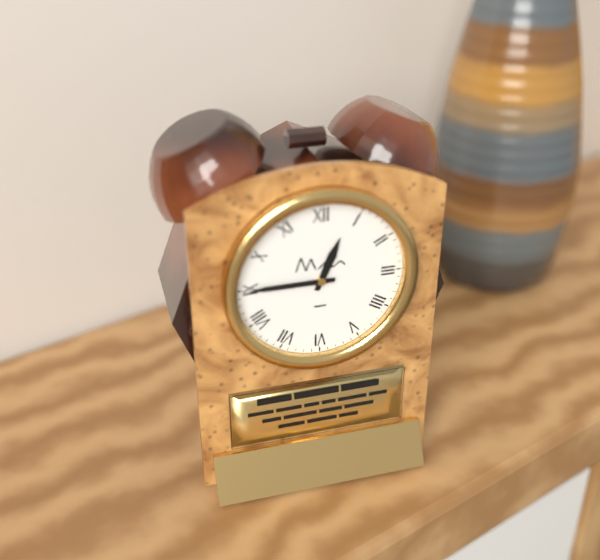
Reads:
{"hour": 12, "minute": 45}
